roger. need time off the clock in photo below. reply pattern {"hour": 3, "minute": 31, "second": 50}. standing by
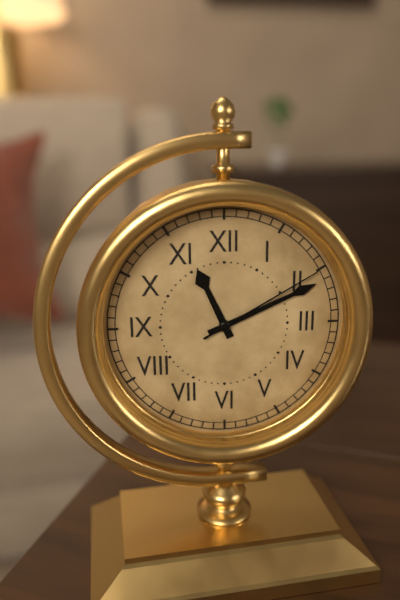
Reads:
{"hour": 11, "minute": 11, "second": 10}
